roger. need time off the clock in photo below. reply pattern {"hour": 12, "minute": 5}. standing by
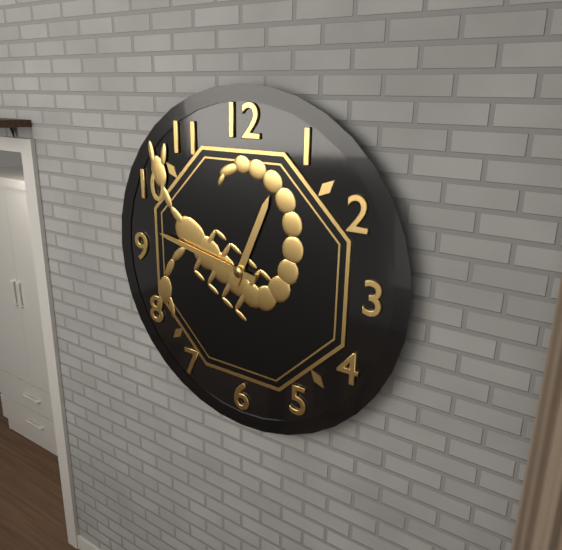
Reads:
{"hour": 12, "minute": 47}
